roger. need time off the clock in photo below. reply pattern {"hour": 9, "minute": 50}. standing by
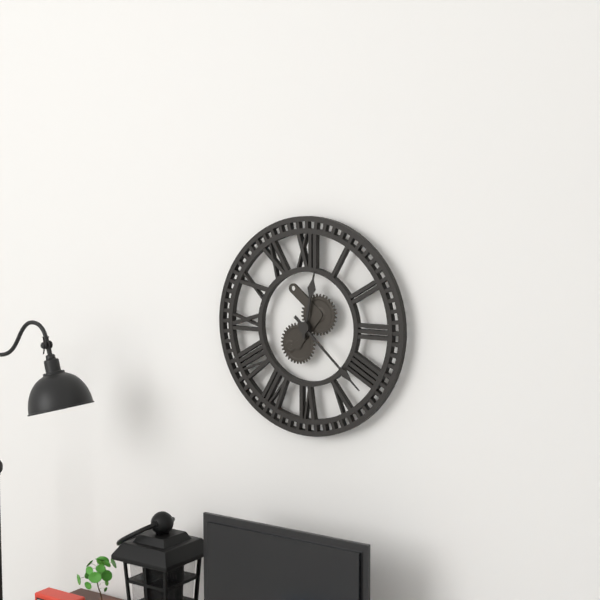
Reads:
{"hour": 12, "minute": 22}
